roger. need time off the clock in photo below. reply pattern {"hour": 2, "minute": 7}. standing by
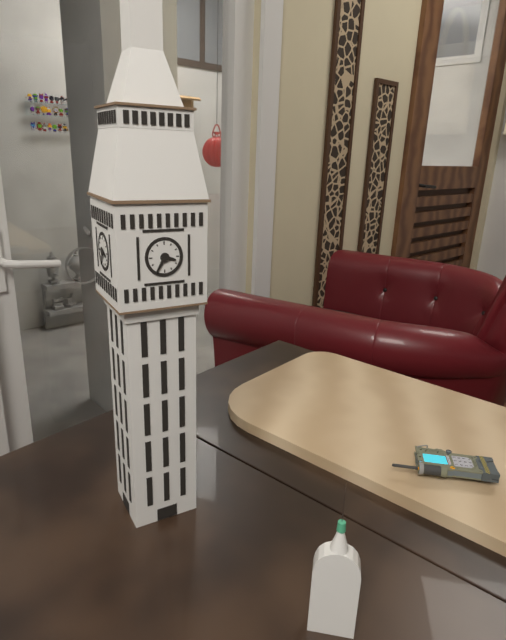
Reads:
{"hour": 3, "minute": 35}
